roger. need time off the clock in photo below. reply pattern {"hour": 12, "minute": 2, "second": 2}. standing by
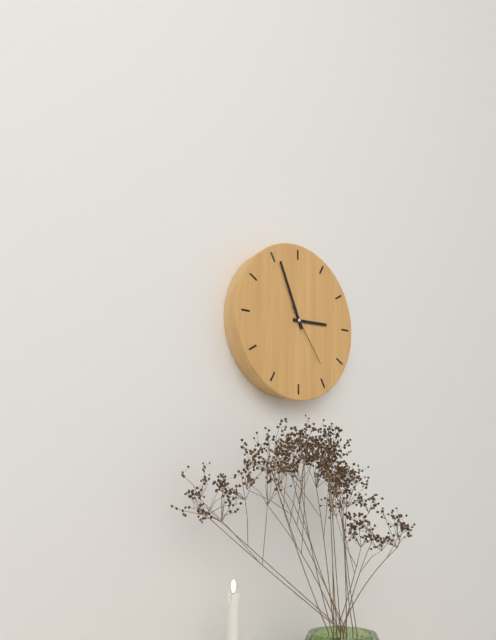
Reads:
{"hour": 2, "minute": 56, "second": 24}
